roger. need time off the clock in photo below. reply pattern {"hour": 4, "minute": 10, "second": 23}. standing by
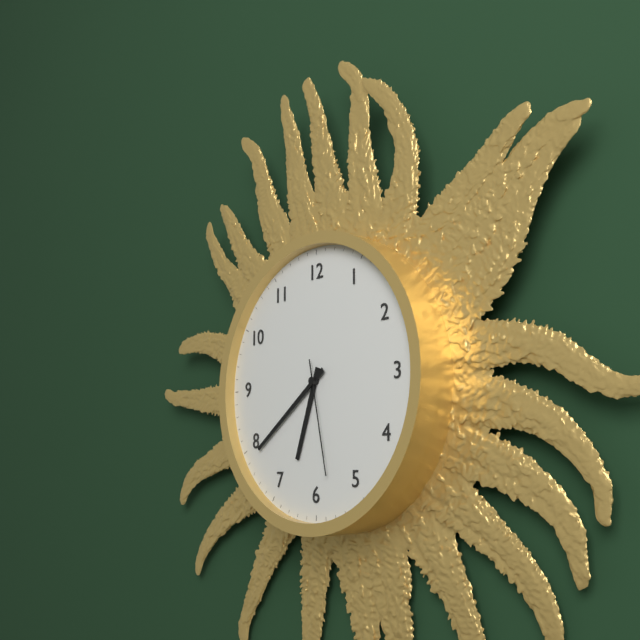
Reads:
{"hour": 6, "minute": 39, "second": 28}
